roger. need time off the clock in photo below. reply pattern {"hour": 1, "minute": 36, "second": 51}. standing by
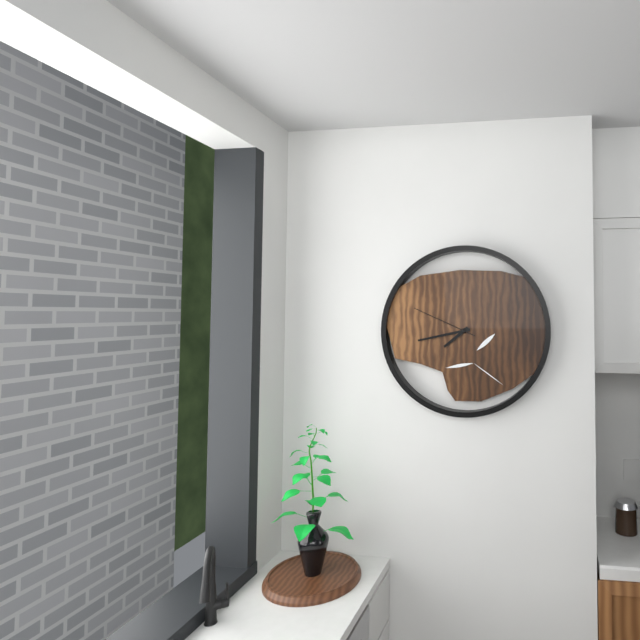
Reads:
{"hour": 7, "minute": 43, "second": 49}
